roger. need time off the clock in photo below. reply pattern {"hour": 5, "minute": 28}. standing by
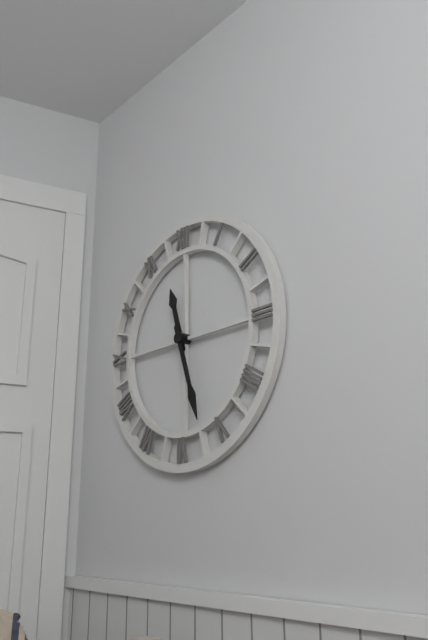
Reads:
{"hour": 11, "minute": 27}
